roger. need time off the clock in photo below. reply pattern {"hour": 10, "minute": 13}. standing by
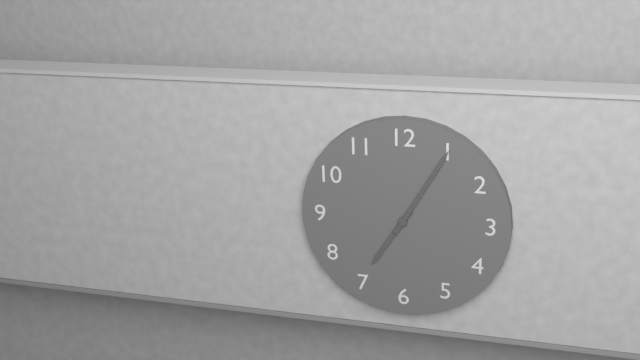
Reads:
{"hour": 7, "minute": 5}
